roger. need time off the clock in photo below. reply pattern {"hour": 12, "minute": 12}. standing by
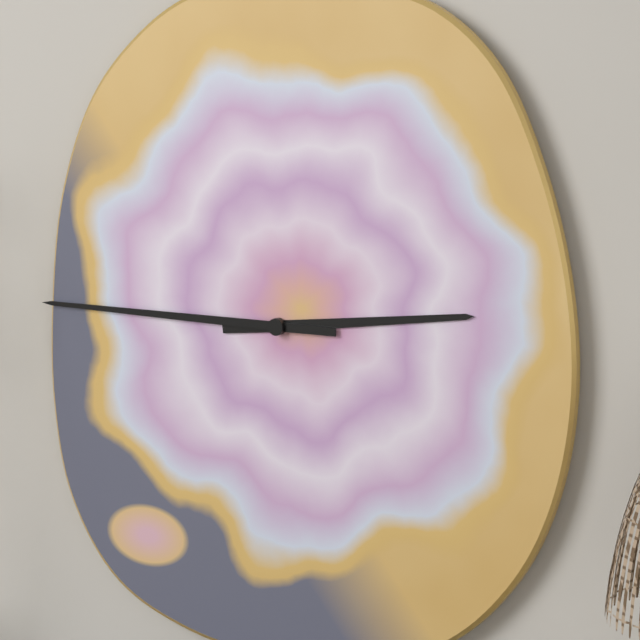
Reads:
{"hour": 2, "minute": 45}
